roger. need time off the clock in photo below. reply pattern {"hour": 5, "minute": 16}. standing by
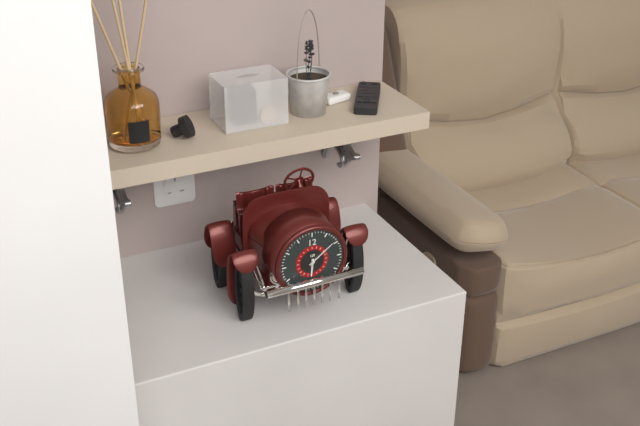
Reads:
{"hour": 6, "minute": 9}
